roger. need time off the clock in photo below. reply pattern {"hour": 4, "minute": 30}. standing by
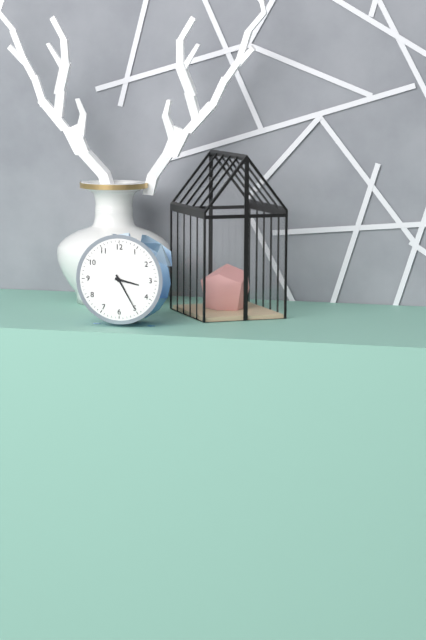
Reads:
{"hour": 3, "minute": 25}
